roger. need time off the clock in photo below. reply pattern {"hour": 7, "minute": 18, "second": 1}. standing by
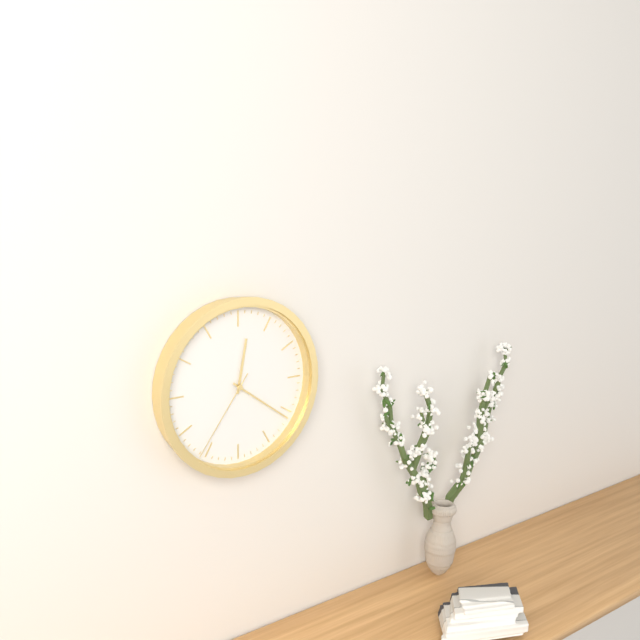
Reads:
{"hour": 12, "minute": 21, "second": 36}
